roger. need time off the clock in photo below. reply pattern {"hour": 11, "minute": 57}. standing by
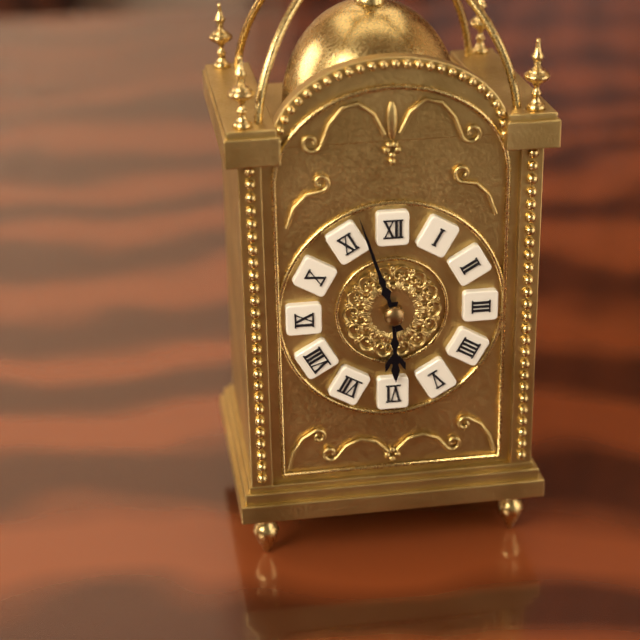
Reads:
{"hour": 5, "minute": 57}
